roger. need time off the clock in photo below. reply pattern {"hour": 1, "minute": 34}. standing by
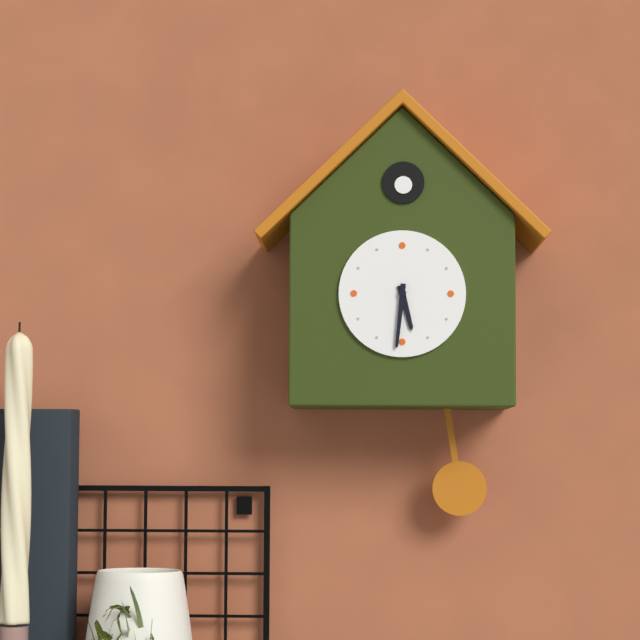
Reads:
{"hour": 5, "minute": 31}
